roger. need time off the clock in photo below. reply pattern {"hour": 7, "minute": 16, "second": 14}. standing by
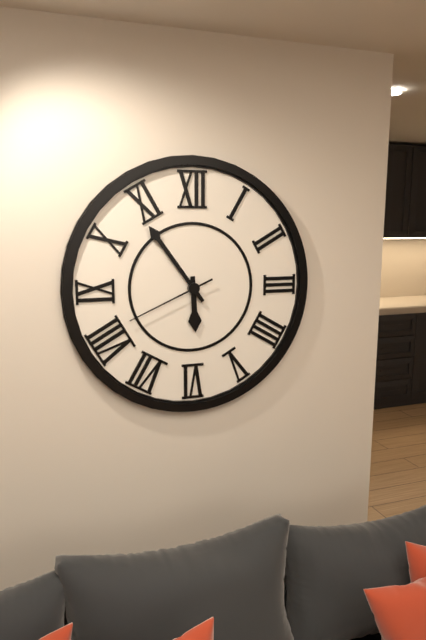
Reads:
{"hour": 5, "minute": 54, "second": 41}
